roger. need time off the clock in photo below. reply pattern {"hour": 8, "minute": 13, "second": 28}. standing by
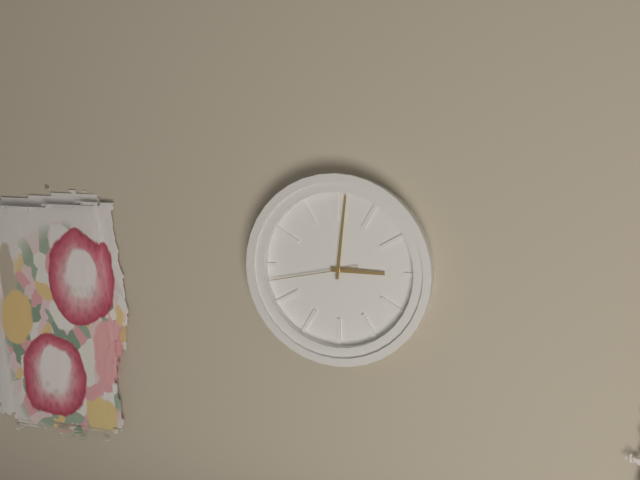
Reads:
{"hour": 3, "minute": 1, "second": 43}
